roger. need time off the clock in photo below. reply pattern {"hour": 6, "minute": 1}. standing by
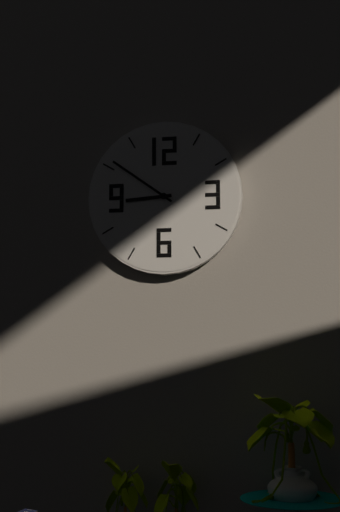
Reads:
{"hour": 8, "minute": 51}
